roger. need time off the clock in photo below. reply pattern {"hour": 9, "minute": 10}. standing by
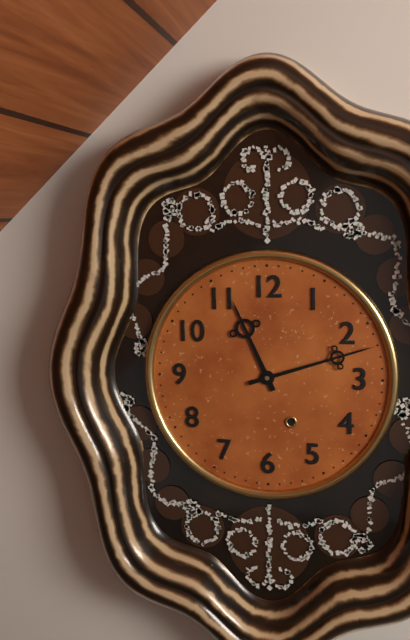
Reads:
{"hour": 11, "minute": 12}
